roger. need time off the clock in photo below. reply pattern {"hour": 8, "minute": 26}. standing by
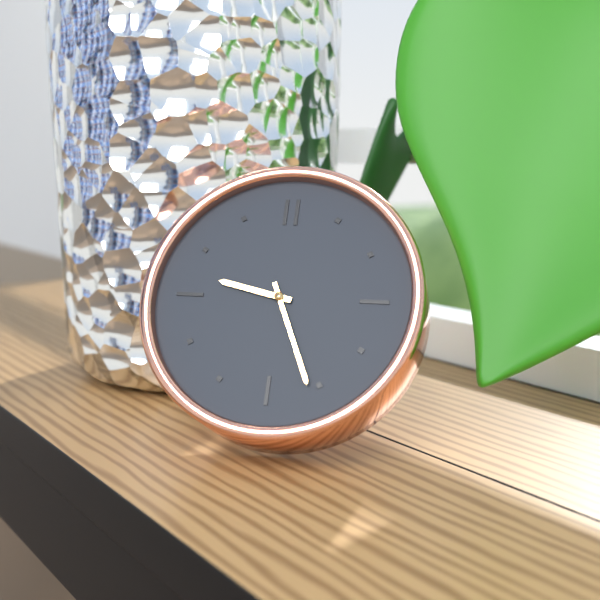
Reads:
{"hour": 9, "minute": 26}
